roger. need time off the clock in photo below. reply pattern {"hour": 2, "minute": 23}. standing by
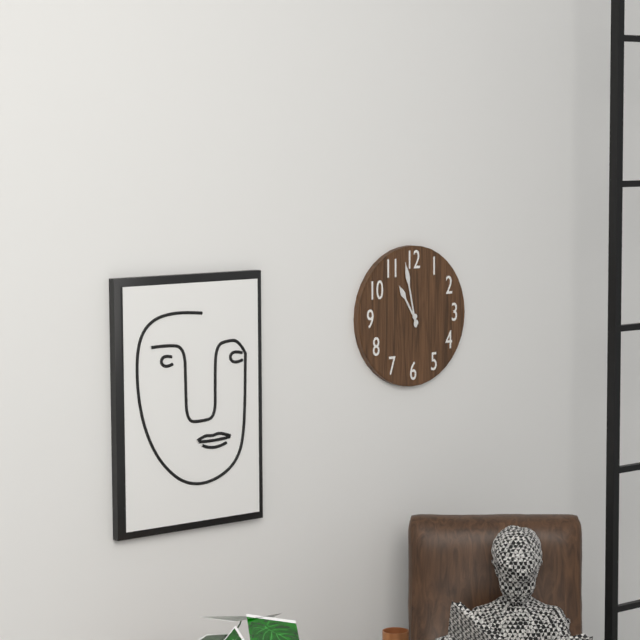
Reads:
{"hour": 10, "minute": 58}
